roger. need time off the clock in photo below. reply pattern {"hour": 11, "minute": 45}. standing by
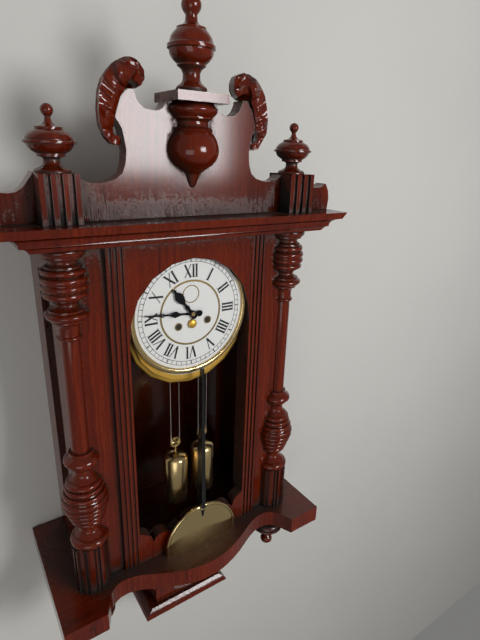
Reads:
{"hour": 10, "minute": 46}
